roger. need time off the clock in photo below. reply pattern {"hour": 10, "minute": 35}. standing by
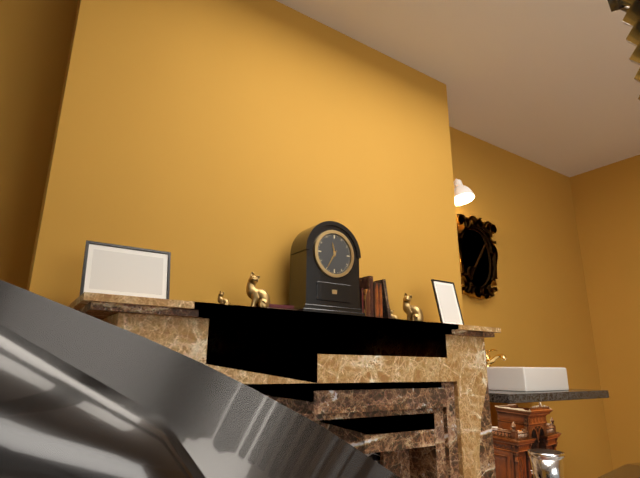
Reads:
{"hour": 11, "minute": 35}
